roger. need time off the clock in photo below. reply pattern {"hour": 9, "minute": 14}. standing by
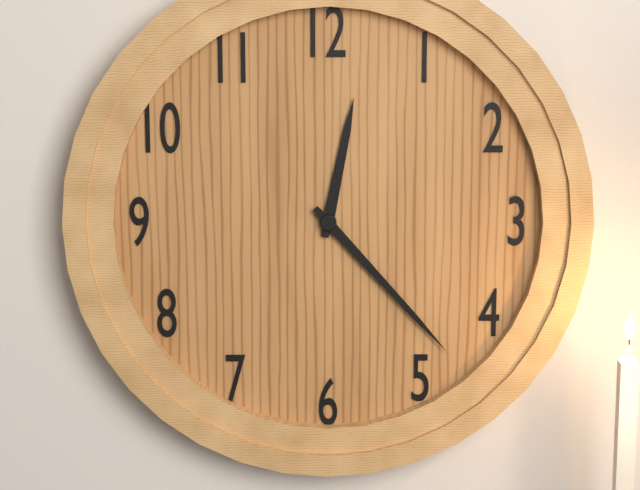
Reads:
{"hour": 12, "minute": 23}
